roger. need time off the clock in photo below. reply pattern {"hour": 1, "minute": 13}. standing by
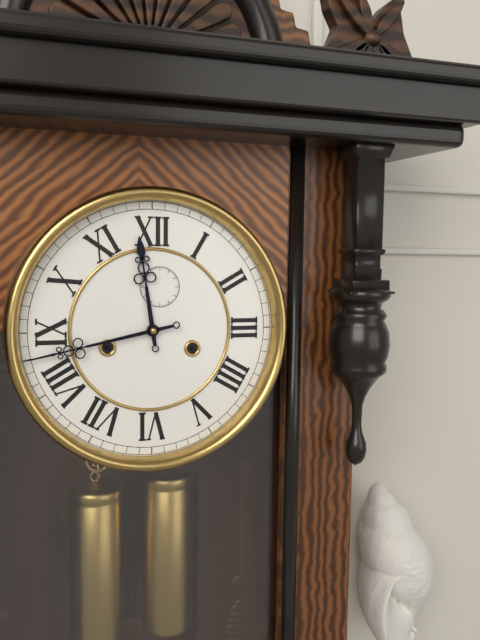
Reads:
{"hour": 11, "minute": 43}
